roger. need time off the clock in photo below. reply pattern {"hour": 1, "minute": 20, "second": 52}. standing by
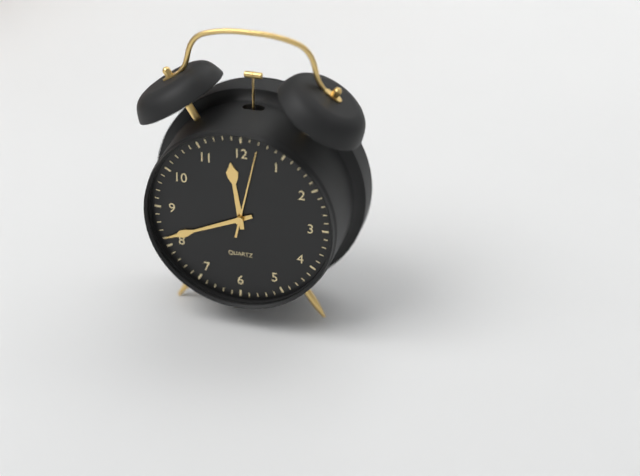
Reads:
{"hour": 11, "minute": 41, "second": 2}
